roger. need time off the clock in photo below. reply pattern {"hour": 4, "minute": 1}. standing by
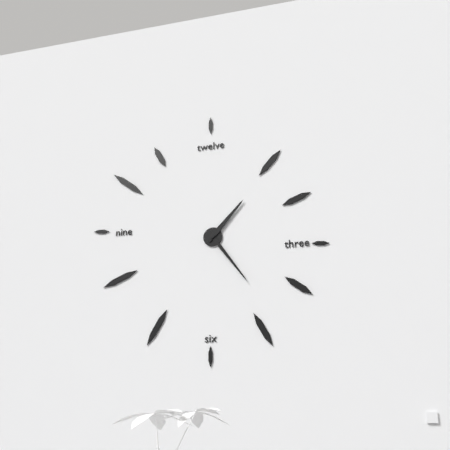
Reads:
{"hour": 1, "minute": 24}
